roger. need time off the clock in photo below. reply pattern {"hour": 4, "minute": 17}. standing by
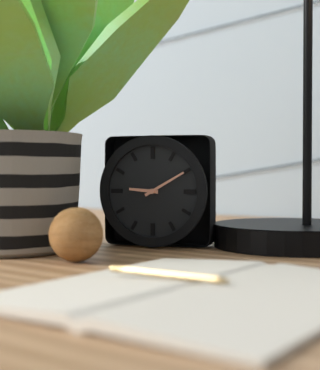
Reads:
{"hour": 9, "minute": 10}
